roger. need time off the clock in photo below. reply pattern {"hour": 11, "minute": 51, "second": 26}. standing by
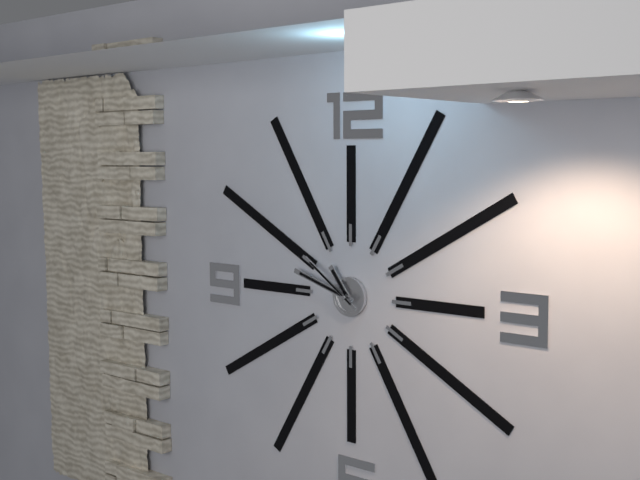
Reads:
{"hour": 10, "minute": 48, "second": 51}
